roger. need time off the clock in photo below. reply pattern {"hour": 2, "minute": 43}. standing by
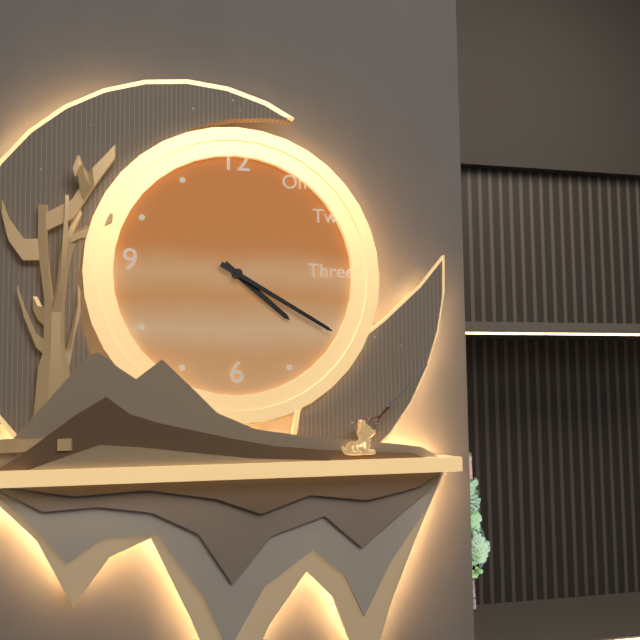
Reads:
{"hour": 4, "minute": 20}
